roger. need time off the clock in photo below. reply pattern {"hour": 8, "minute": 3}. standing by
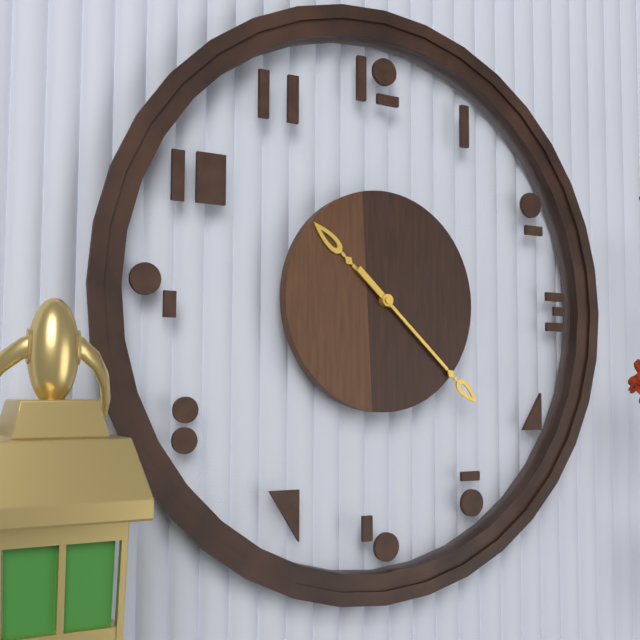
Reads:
{"hour": 10, "minute": 22}
